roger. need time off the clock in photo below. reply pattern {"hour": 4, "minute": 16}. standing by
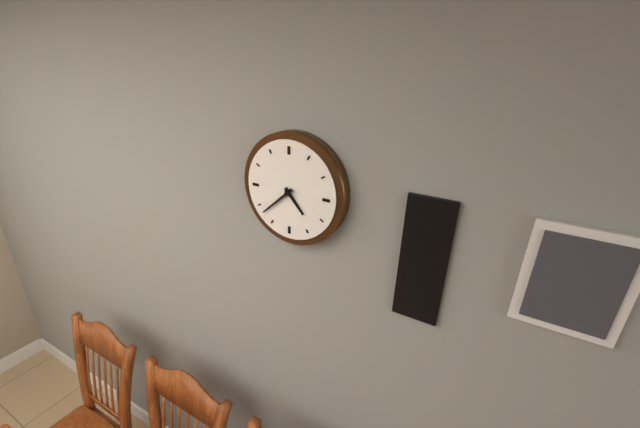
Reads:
{"hour": 4, "minute": 38}
